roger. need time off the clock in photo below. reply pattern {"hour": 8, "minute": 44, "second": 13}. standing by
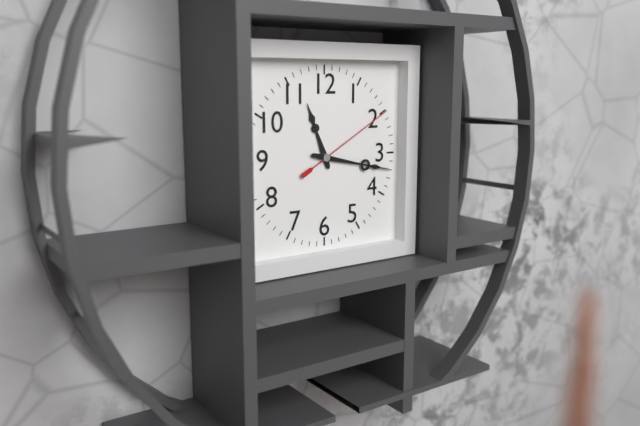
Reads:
{"hour": 11, "minute": 17, "second": 10}
